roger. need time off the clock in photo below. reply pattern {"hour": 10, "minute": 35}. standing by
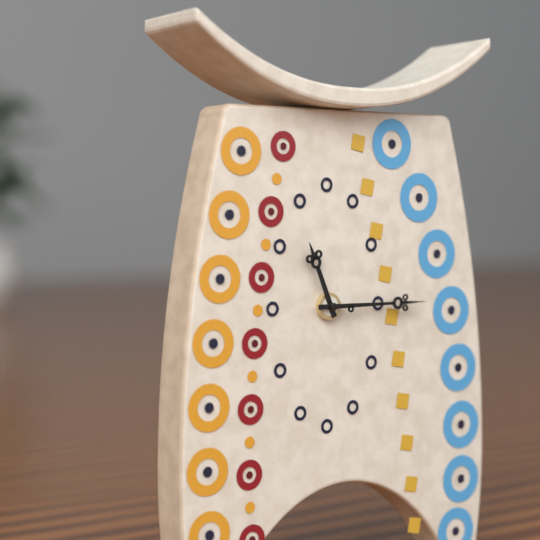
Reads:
{"hour": 11, "minute": 15}
